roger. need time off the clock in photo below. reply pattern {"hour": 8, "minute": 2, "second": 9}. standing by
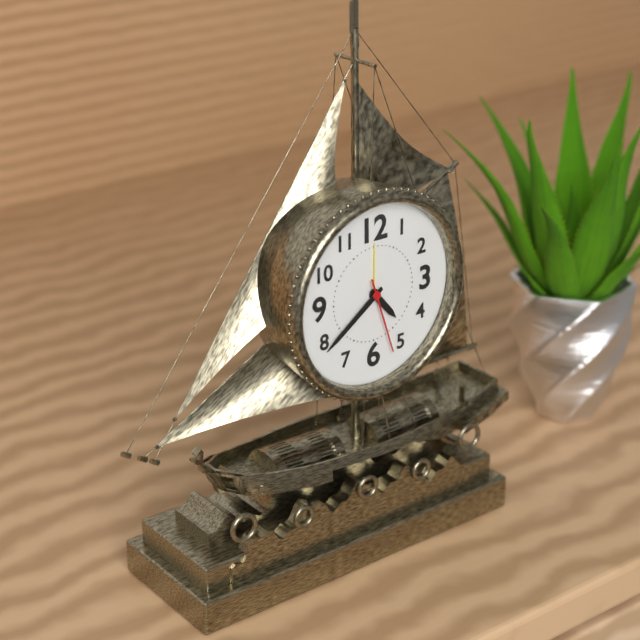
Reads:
{"hour": 4, "minute": 39, "second": 27}
